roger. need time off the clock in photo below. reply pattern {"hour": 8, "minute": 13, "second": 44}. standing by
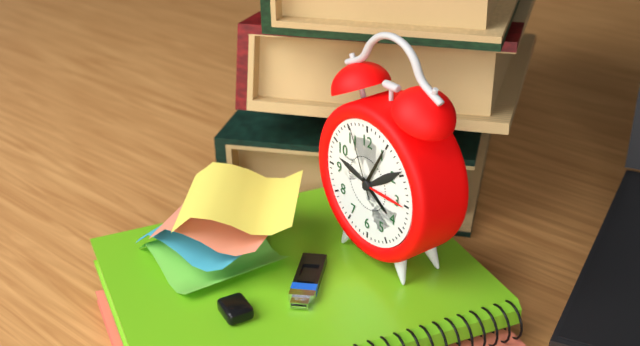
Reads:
{"hour": 4, "minute": 5, "second": 56}
